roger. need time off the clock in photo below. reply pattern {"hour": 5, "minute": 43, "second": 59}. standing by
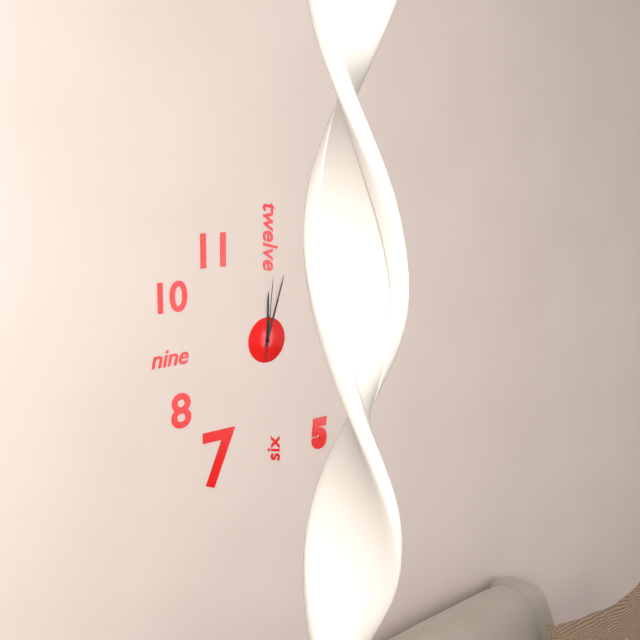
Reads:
{"hour": 12, "minute": 3, "second": 1}
